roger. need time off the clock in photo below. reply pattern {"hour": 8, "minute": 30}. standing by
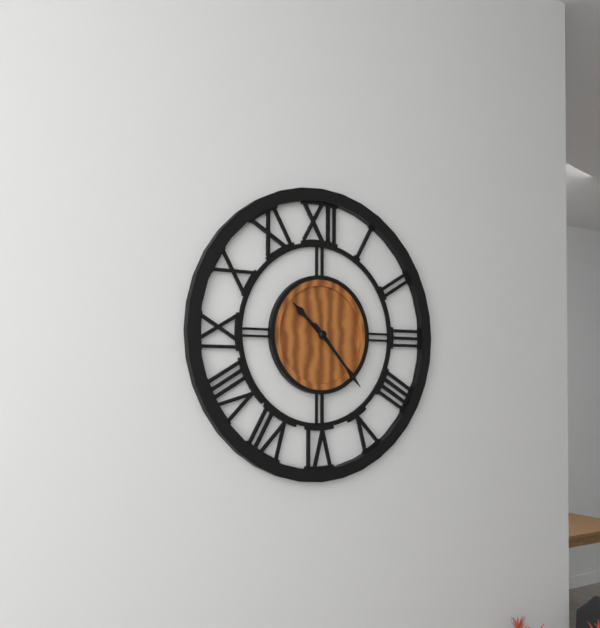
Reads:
{"hour": 10, "minute": 23}
